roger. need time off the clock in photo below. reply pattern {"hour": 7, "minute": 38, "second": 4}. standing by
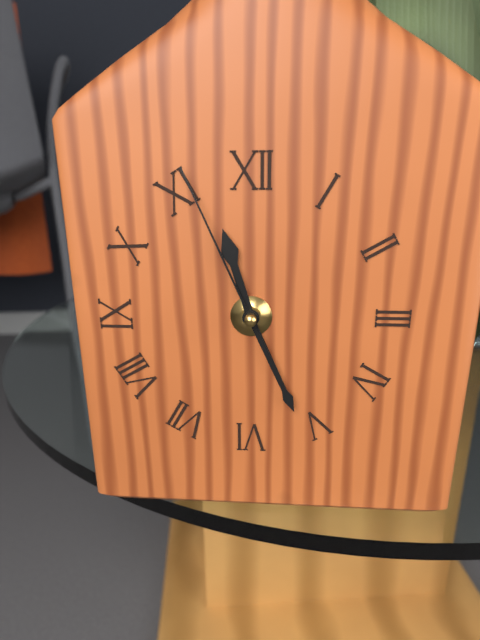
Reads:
{"hour": 11, "minute": 26, "second": 56}
